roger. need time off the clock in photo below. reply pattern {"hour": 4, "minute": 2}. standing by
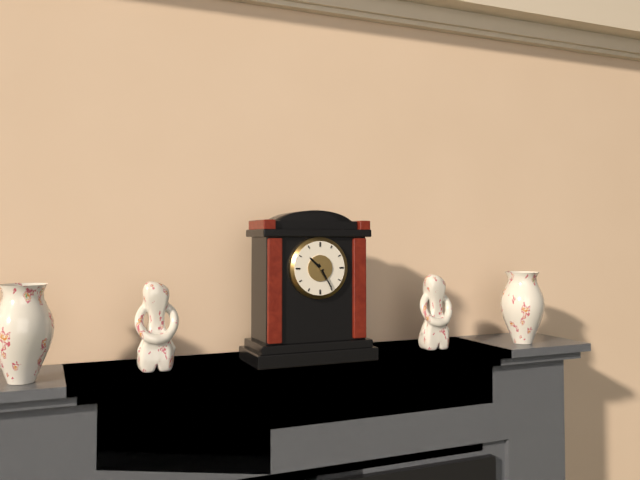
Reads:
{"hour": 10, "minute": 25}
